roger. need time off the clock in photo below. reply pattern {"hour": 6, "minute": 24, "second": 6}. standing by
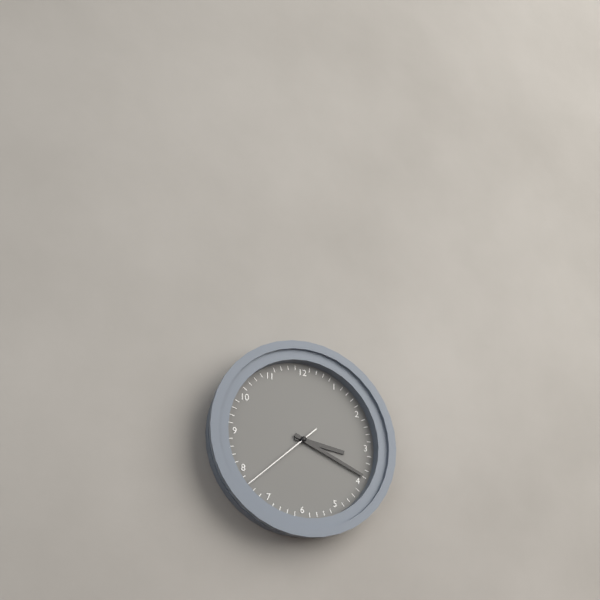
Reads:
{"hour": 3, "minute": 19, "second": 38}
